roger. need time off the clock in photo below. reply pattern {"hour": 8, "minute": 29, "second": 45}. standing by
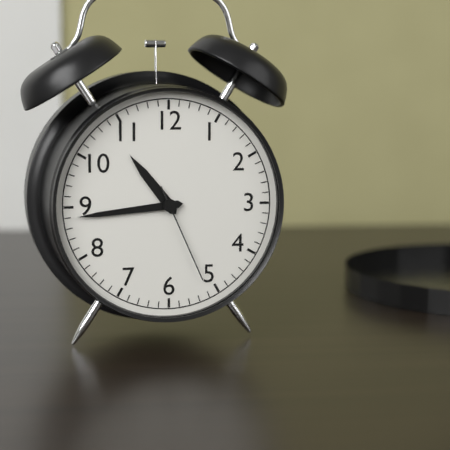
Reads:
{"hour": 10, "minute": 44, "second": 26}
